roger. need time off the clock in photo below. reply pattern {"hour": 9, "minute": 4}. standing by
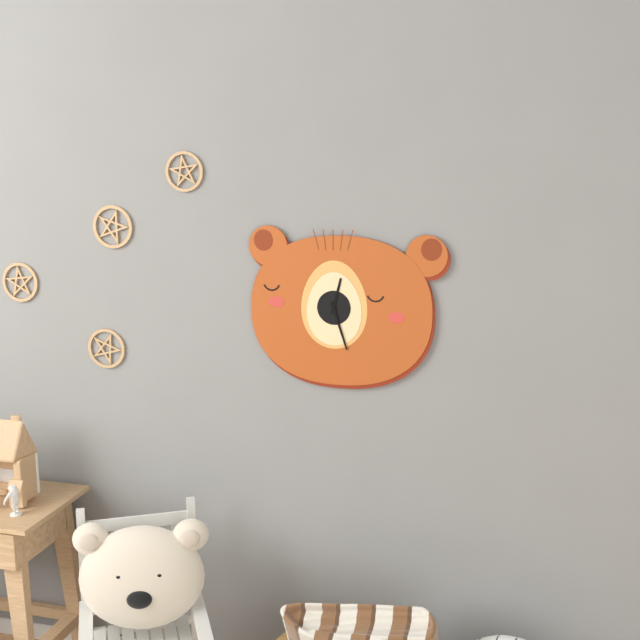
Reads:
{"hour": 12, "minute": 27}
